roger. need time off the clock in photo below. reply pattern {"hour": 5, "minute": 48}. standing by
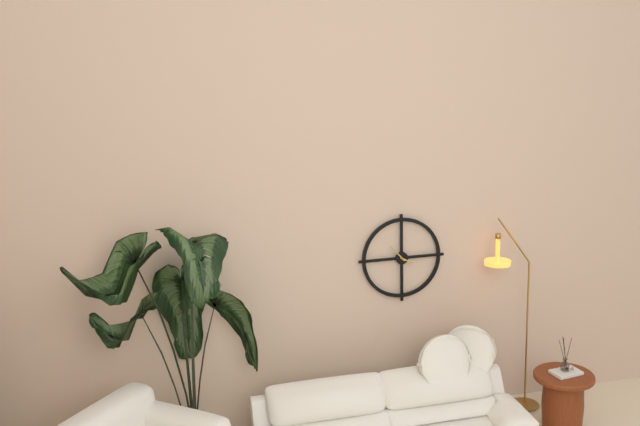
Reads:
{"hour": 3, "minute": 53}
